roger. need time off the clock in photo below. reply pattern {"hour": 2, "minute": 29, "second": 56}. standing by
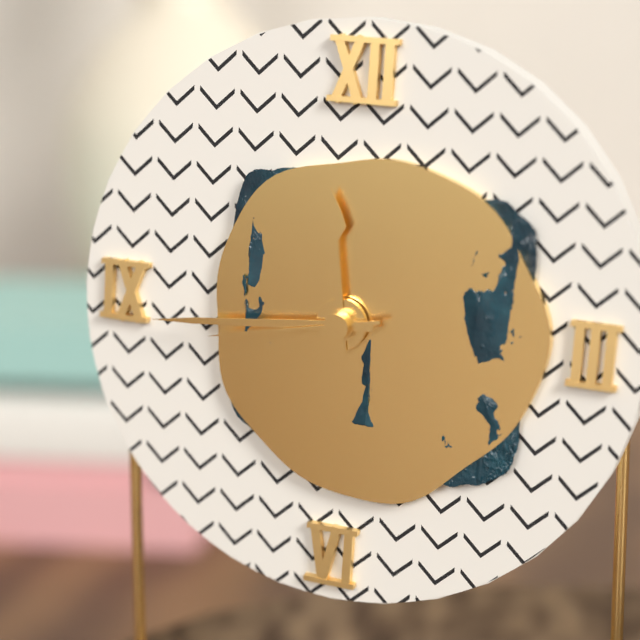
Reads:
{"hour": 11, "minute": 44, "second": 43}
